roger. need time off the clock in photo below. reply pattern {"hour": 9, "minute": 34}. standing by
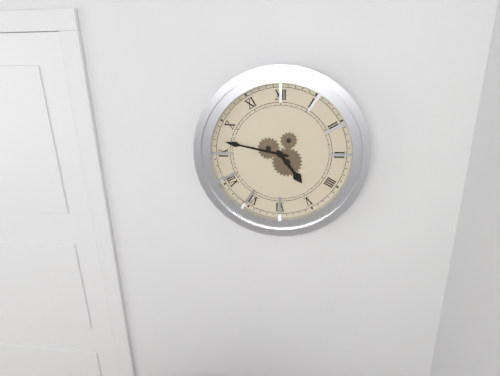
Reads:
{"hour": 4, "minute": 47}
